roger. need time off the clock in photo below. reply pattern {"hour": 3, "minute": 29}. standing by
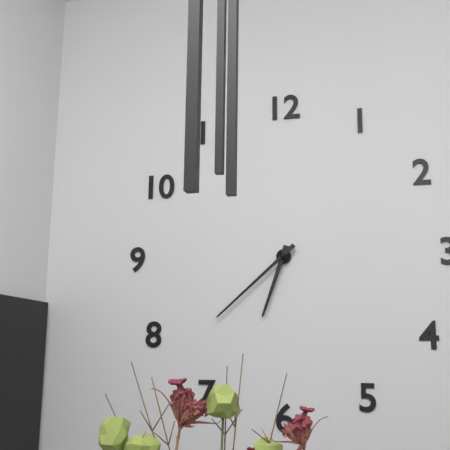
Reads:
{"hour": 6, "minute": 38}
